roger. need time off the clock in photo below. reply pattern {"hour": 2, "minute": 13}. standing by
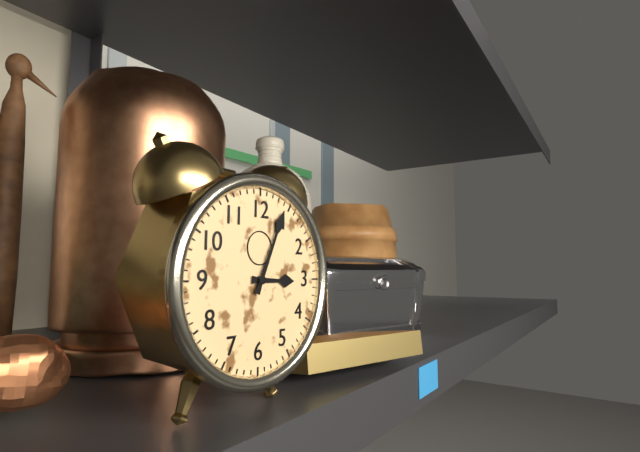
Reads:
{"hour": 3, "minute": 4}
